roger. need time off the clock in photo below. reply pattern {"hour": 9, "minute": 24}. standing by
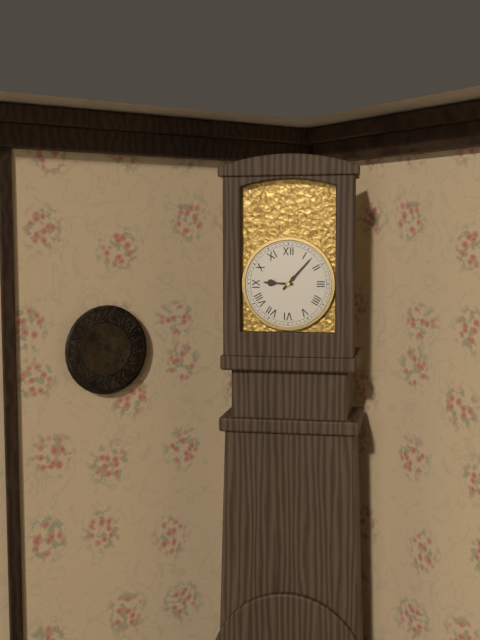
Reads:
{"hour": 9, "minute": 7}
